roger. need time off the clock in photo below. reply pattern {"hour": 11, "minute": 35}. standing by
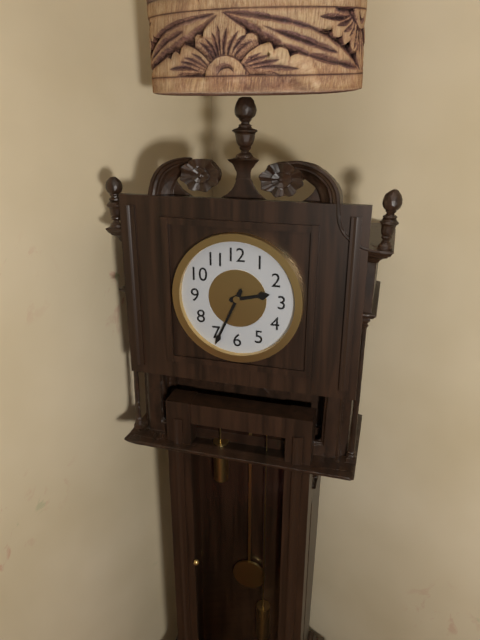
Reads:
{"hour": 2, "minute": 34}
